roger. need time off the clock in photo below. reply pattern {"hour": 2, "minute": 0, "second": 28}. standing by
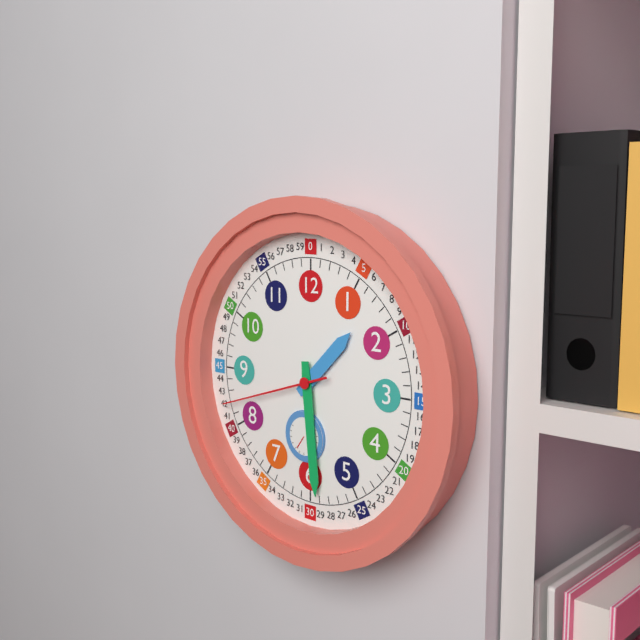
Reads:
{"hour": 1, "minute": 29, "second": 42}
